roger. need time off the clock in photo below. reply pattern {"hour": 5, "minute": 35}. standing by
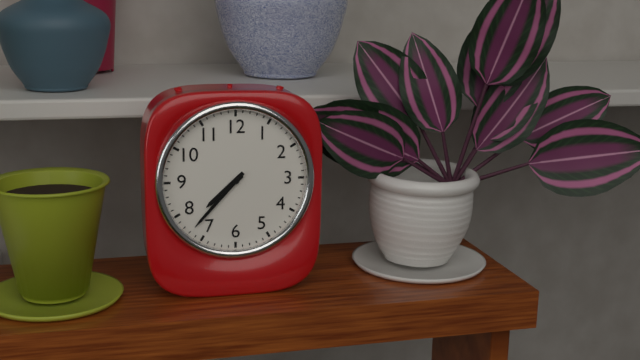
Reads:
{"hour": 7, "minute": 37}
